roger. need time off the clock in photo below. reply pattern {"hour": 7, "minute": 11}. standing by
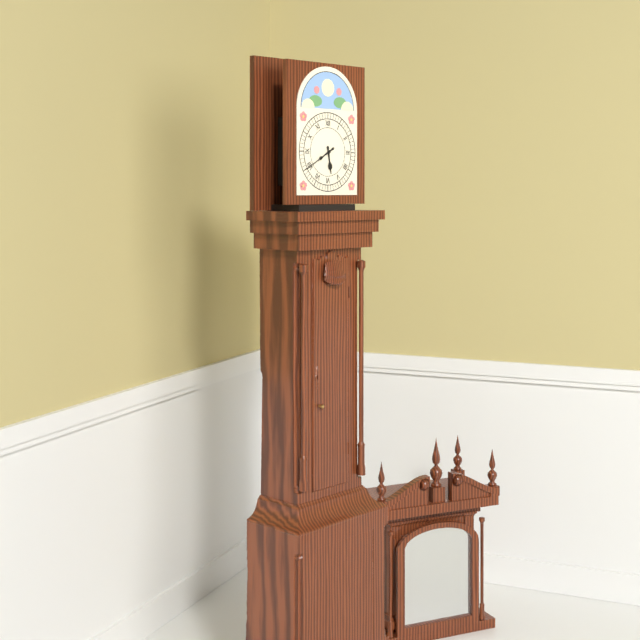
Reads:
{"hour": 5, "minute": 40}
